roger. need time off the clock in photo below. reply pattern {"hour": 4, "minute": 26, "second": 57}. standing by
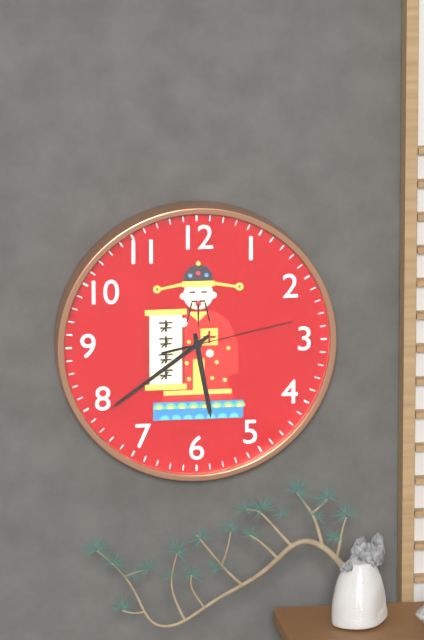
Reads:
{"hour": 5, "minute": 39, "second": 13}
